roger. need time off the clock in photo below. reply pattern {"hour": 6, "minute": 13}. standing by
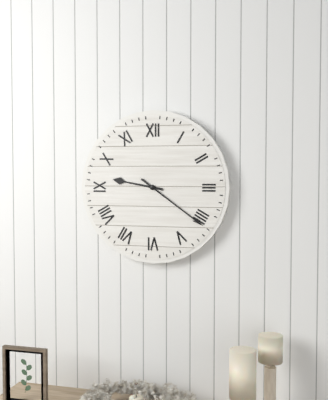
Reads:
{"hour": 9, "minute": 21}
